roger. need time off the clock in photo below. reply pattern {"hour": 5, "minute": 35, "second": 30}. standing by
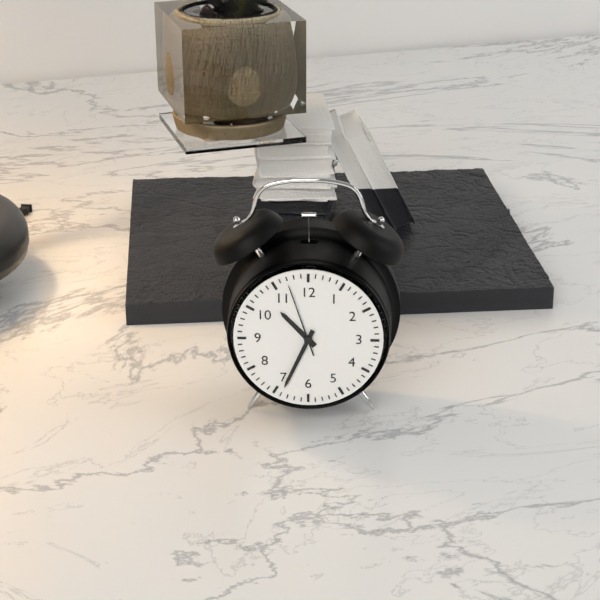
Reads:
{"hour": 10, "minute": 34, "second": 57}
